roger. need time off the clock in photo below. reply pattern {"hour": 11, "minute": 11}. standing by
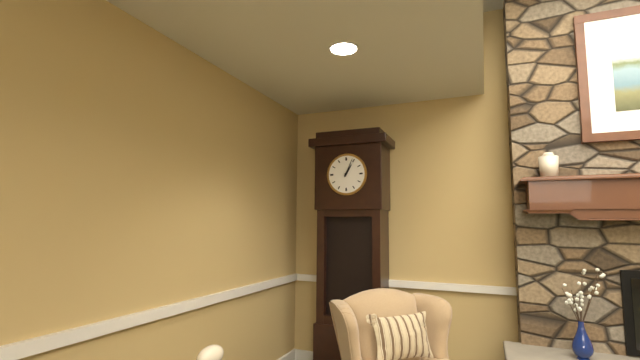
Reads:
{"hour": 1, "minute": 4}
